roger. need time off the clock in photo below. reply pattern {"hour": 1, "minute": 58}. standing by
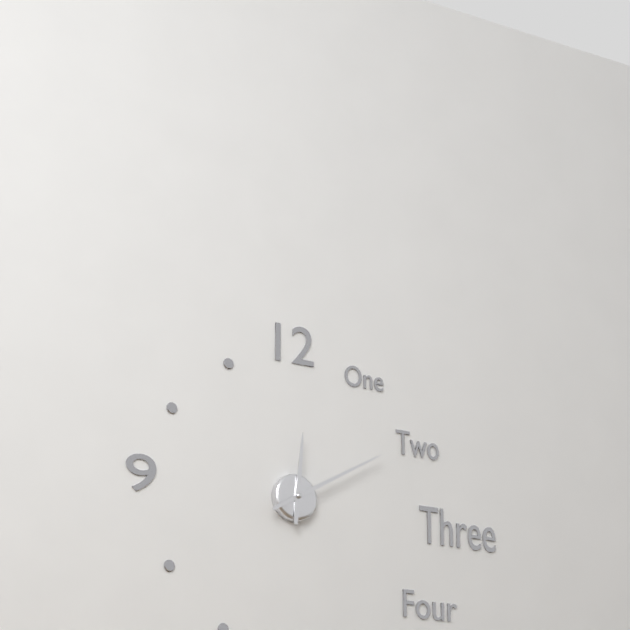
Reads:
{"hour": 12, "minute": 10}
